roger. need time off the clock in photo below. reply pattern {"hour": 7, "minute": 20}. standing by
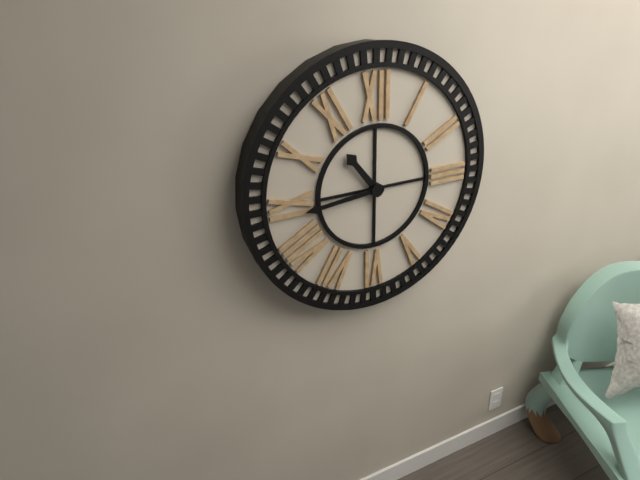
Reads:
{"hour": 10, "minute": 44}
